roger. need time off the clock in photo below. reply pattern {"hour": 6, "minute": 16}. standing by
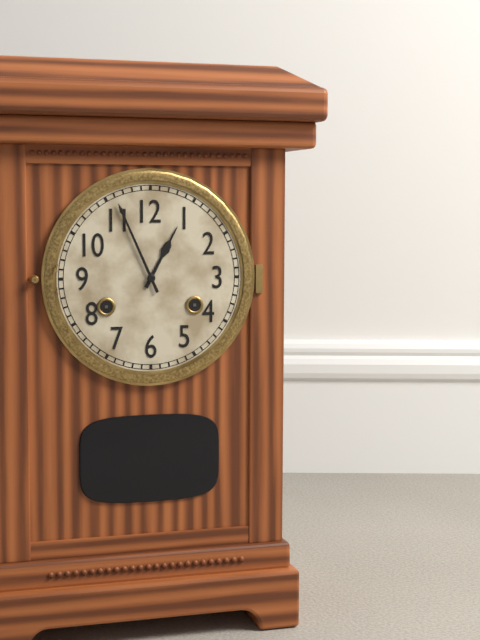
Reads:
{"hour": 12, "minute": 56}
